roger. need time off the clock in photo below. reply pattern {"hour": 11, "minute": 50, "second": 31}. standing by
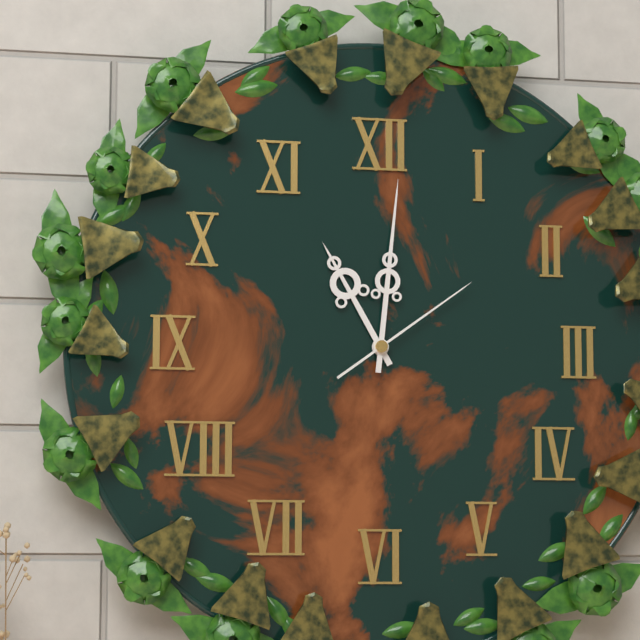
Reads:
{"hour": 11, "minute": 1, "second": 9}
